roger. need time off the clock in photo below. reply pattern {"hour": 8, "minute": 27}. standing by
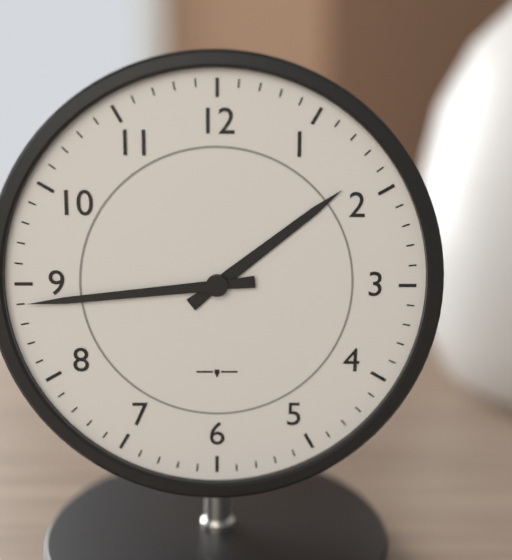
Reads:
{"hour": 1, "minute": 44}
